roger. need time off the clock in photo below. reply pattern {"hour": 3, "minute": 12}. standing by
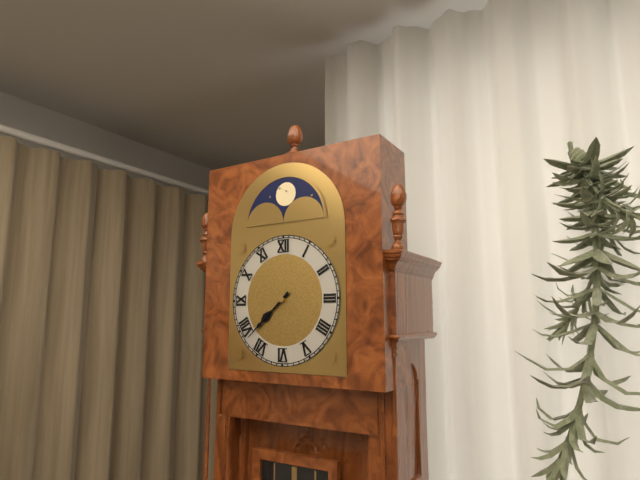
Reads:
{"hour": 7, "minute": 38}
